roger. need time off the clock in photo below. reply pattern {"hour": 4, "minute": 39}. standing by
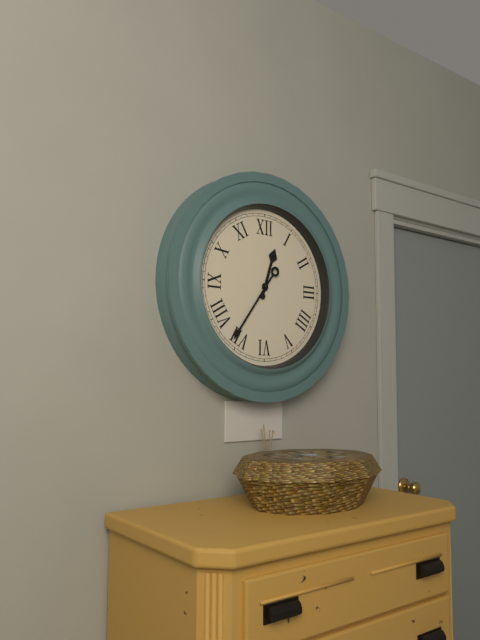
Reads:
{"hour": 12, "minute": 36}
